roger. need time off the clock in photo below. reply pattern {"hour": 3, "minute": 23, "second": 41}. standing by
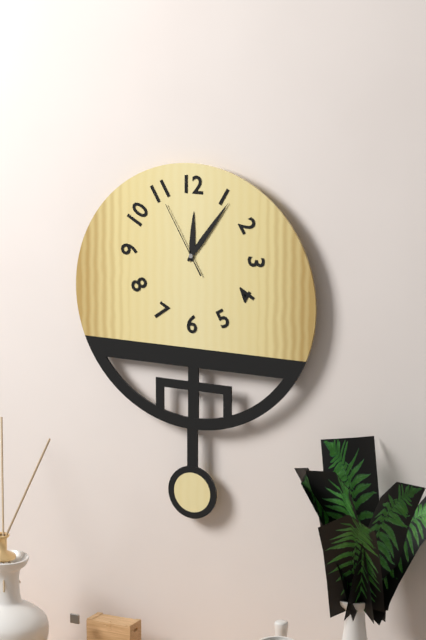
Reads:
{"hour": 12, "minute": 6, "second": 55}
